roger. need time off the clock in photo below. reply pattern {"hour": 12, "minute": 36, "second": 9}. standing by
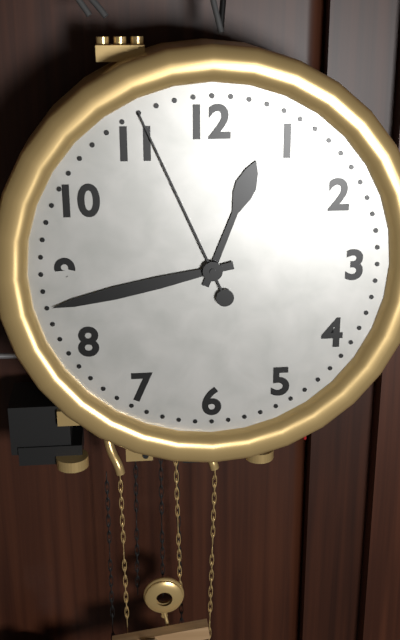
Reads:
{"hour": 12, "minute": 43, "second": 56}
